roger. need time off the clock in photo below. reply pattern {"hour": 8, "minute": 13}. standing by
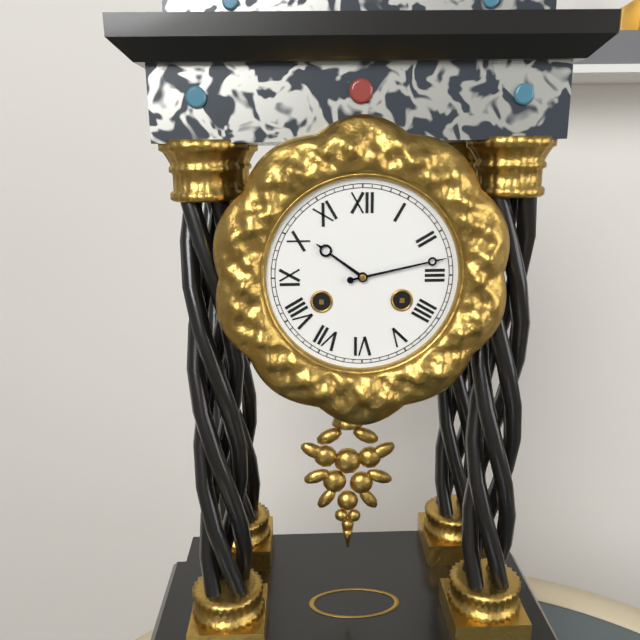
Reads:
{"hour": 10, "minute": 13}
